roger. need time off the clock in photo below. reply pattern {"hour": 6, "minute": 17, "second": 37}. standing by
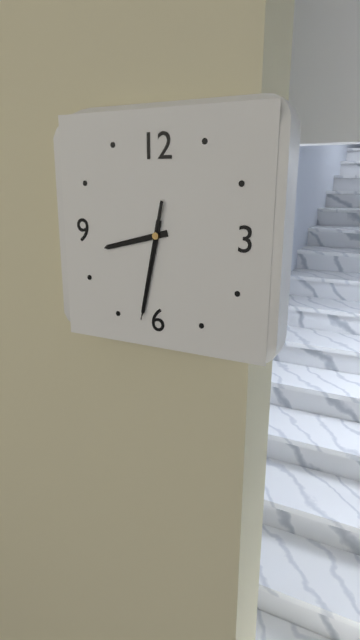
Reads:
{"hour": 8, "minute": 32, "second": 32}
